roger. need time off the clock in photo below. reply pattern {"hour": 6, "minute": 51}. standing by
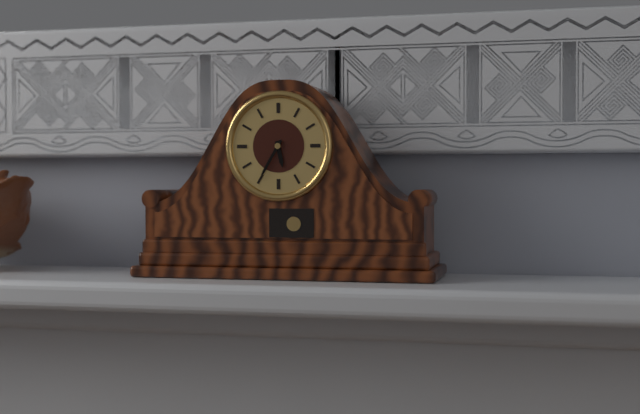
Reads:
{"hour": 5, "minute": 35}
